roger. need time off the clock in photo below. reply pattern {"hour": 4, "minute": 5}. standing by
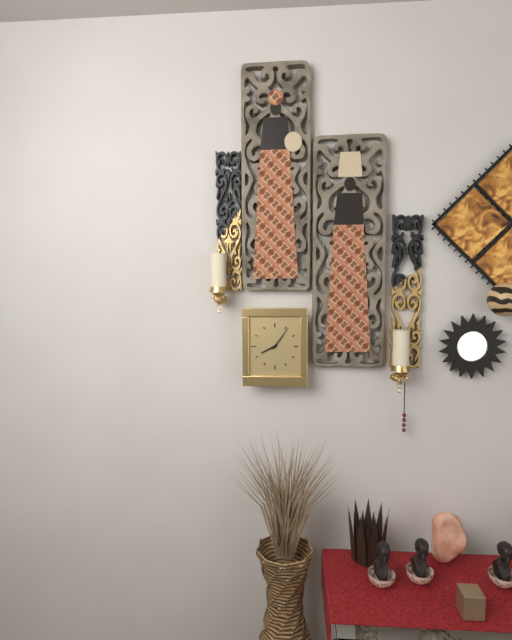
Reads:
{"hour": 8, "minute": 6}
